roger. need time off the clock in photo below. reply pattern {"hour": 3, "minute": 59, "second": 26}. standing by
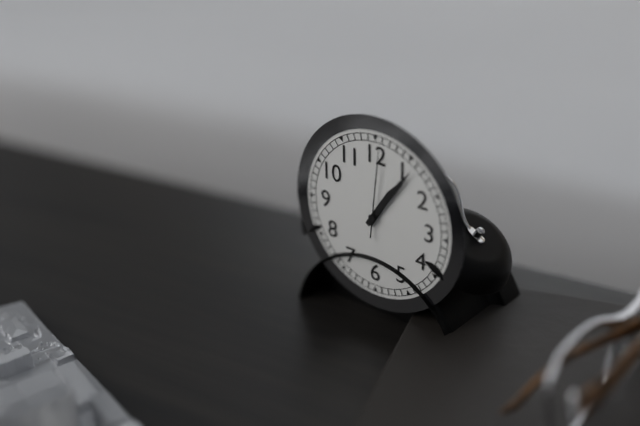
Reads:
{"hour": 1, "minute": 6, "second": 1}
